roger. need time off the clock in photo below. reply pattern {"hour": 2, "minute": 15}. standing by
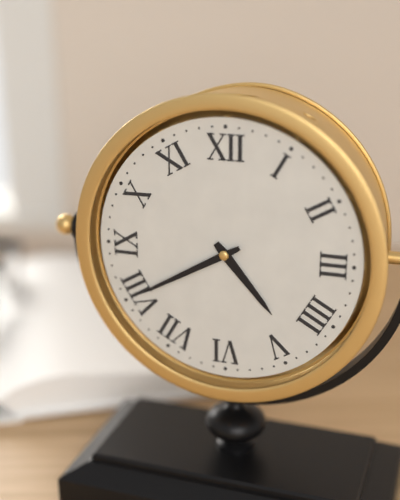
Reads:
{"hour": 4, "minute": 40}
